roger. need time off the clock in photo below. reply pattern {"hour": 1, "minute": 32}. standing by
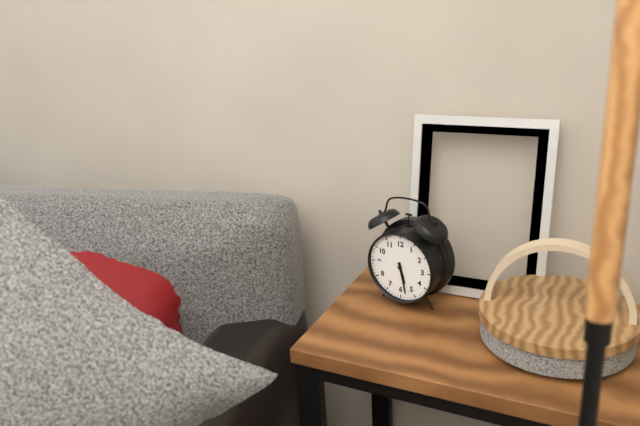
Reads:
{"hour": 5, "minute": 28}
